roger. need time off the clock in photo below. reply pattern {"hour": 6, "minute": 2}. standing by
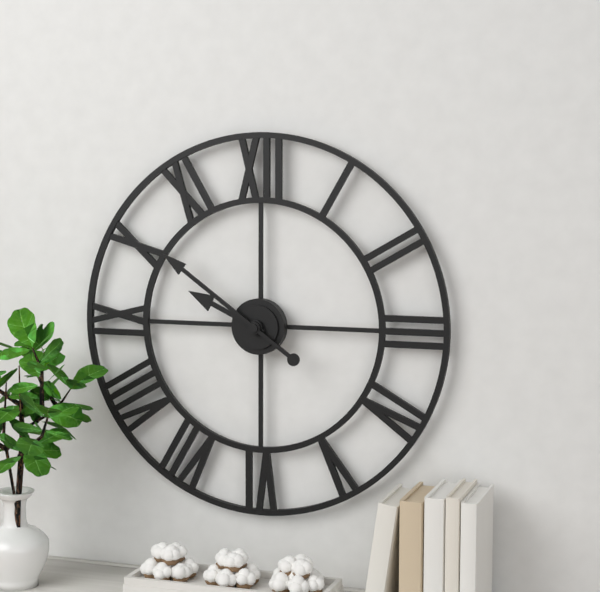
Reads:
{"hour": 9, "minute": 51}
